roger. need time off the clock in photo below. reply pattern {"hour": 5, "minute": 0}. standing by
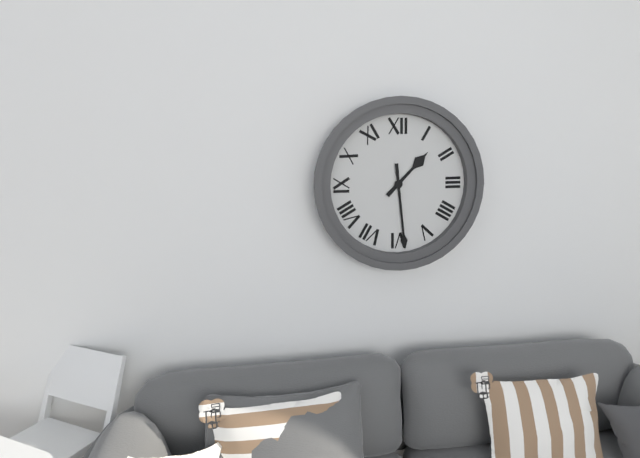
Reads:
{"hour": 1, "minute": 29}
